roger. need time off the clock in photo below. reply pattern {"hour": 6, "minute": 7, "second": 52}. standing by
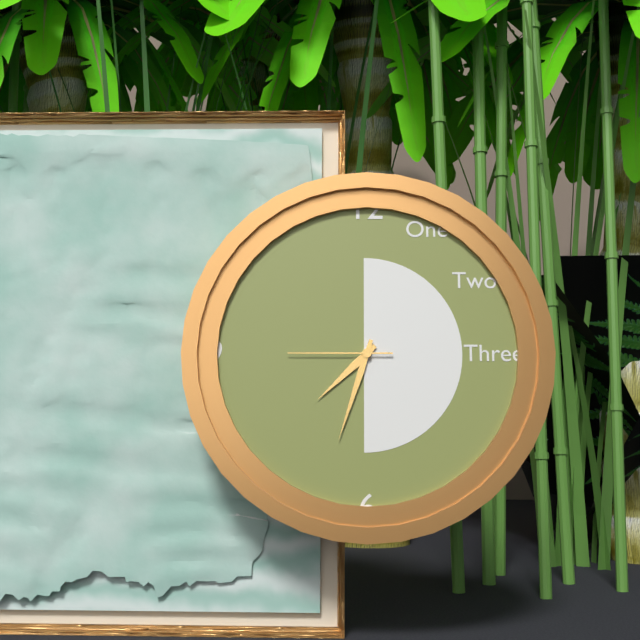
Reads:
{"hour": 7, "minute": 33, "second": 45}
